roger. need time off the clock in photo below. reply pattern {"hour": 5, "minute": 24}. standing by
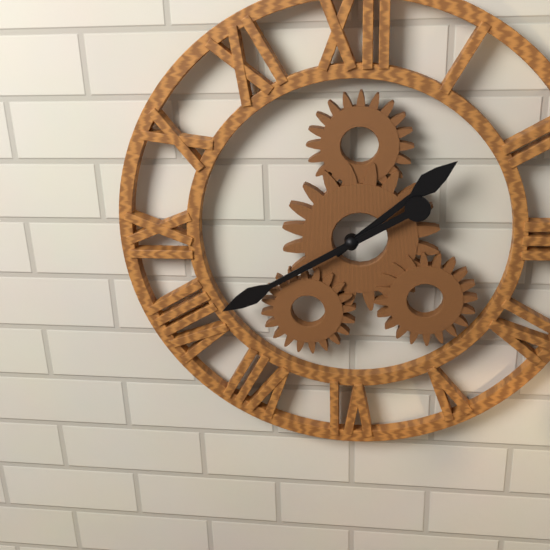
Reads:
{"hour": 1, "minute": 40}
